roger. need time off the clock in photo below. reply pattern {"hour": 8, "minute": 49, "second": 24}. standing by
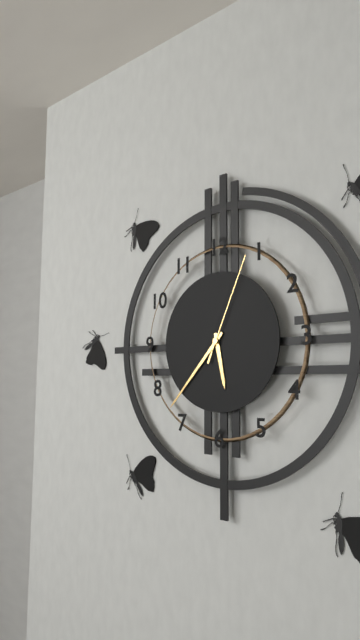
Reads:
{"hour": 5, "minute": 37, "second": 4}
